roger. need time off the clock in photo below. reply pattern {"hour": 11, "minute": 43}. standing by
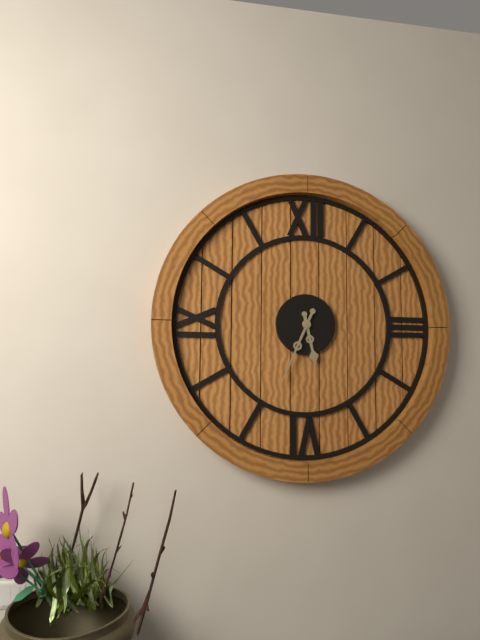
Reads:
{"hour": 5, "minute": 34}
